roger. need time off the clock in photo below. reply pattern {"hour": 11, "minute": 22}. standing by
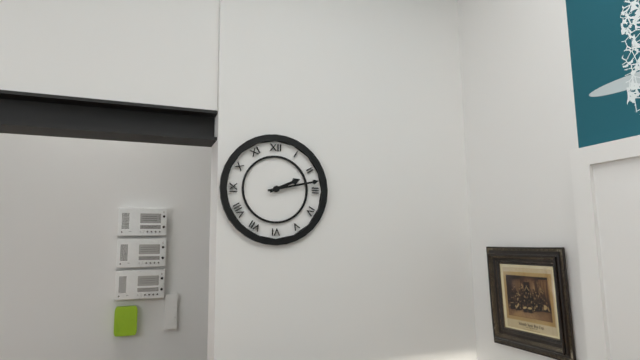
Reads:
{"hour": 2, "minute": 13}
